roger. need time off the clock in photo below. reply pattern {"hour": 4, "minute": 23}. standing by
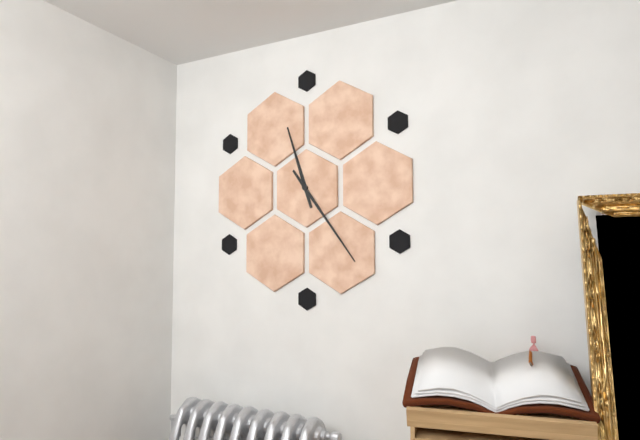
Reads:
{"hour": 11, "minute": 24}
